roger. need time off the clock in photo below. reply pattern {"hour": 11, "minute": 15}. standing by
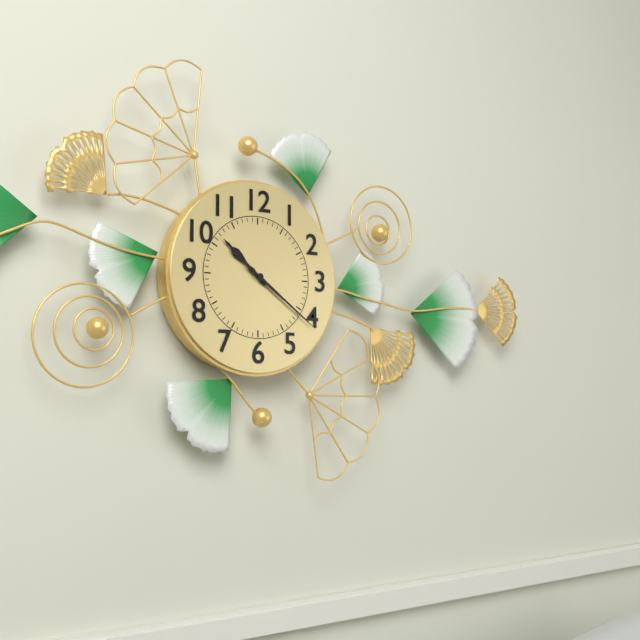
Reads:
{"hour": 10, "minute": 21}
